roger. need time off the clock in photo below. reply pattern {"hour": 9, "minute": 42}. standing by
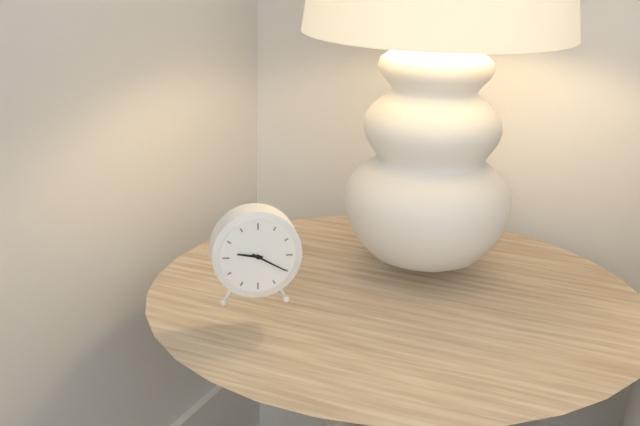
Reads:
{"hour": 9, "minute": 20}
